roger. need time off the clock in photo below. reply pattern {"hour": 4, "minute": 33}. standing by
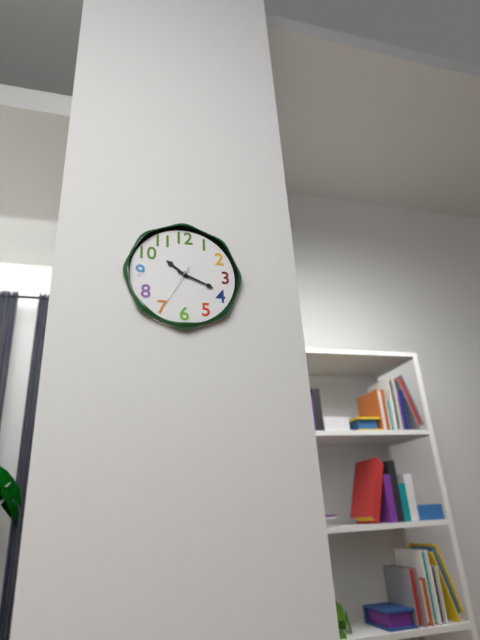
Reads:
{"hour": 10, "minute": 19}
